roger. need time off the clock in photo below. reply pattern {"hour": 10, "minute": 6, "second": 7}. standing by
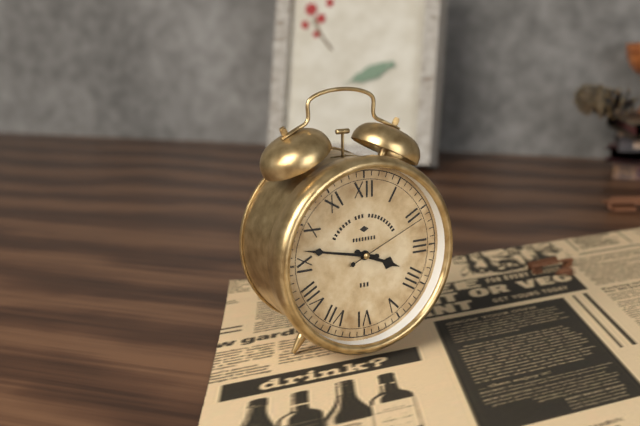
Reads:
{"hour": 3, "minute": 47, "second": 11}
